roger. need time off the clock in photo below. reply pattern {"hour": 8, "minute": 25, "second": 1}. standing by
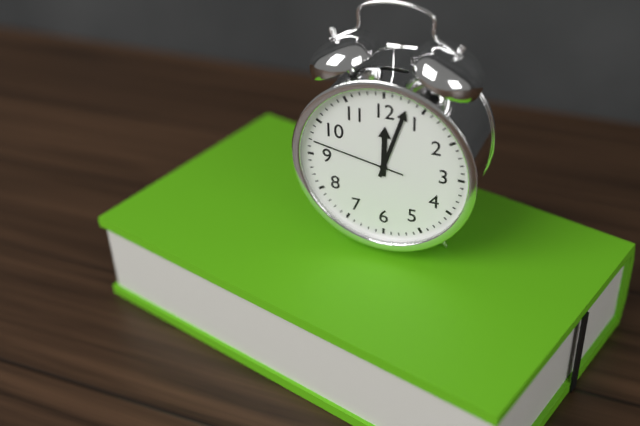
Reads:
{"hour": 12, "minute": 3, "second": 47}
